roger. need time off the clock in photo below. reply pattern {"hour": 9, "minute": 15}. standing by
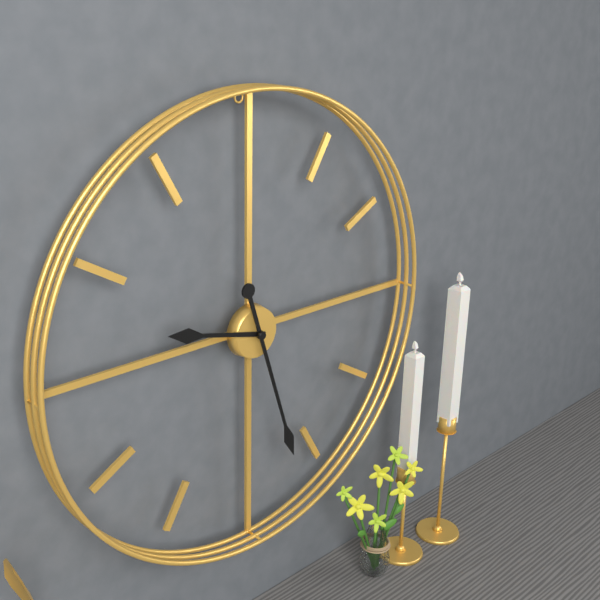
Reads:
{"hour": 9, "minute": 27}
